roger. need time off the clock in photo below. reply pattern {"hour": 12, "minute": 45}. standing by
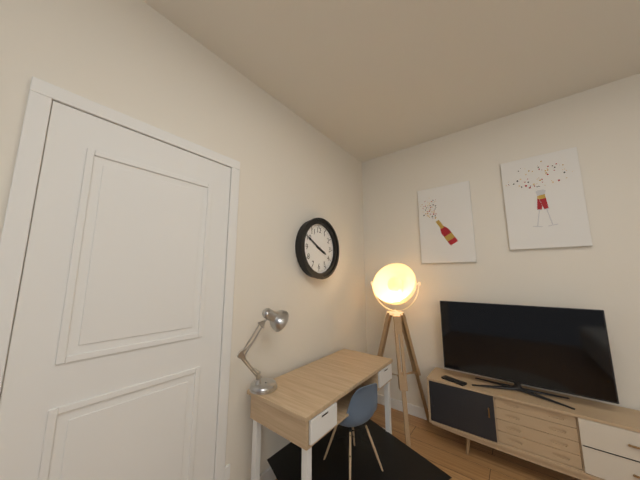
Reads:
{"hour": 3, "minute": 50}
